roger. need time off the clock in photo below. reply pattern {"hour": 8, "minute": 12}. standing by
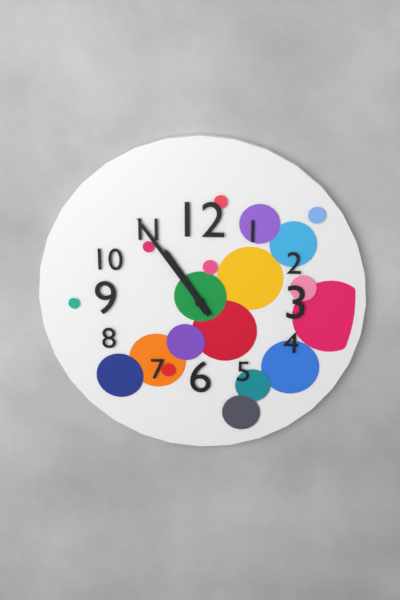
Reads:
{"hour": 10, "minute": 54}
